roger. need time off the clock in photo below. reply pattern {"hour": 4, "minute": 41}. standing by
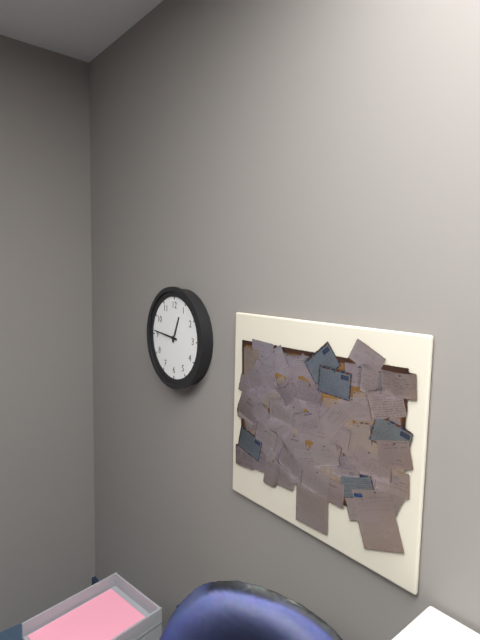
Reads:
{"hour": 12, "minute": 46}
